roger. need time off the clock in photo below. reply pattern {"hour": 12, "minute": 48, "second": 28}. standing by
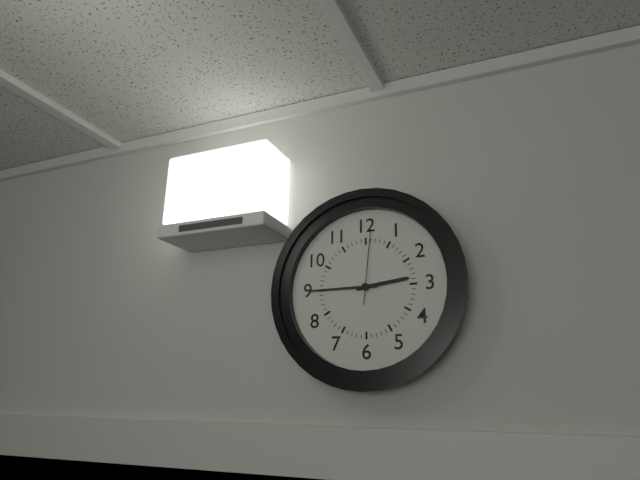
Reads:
{"hour": 2, "minute": 45, "second": 1}
